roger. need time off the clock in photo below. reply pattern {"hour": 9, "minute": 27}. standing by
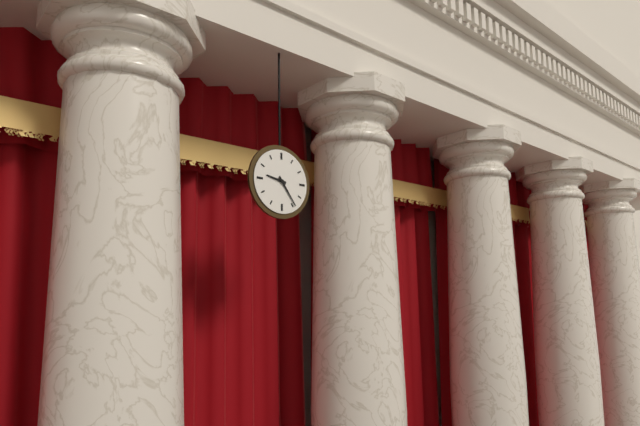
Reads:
{"hour": 9, "minute": 24}
